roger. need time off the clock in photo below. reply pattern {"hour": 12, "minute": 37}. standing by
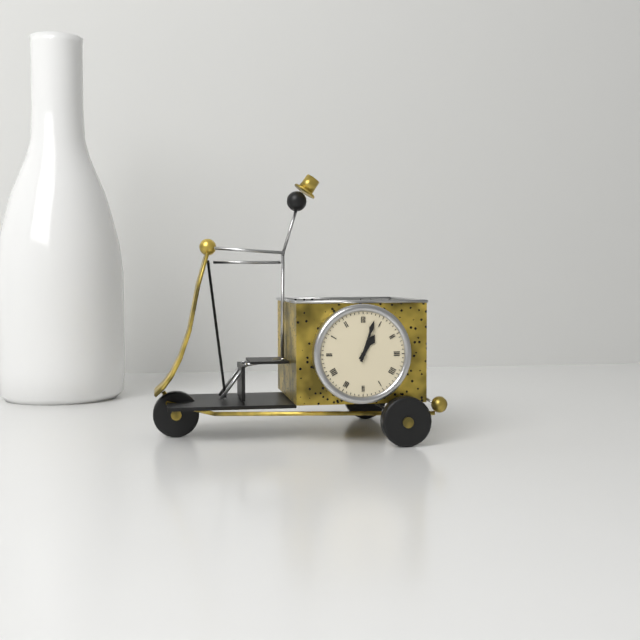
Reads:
{"hour": 1, "minute": 3}
